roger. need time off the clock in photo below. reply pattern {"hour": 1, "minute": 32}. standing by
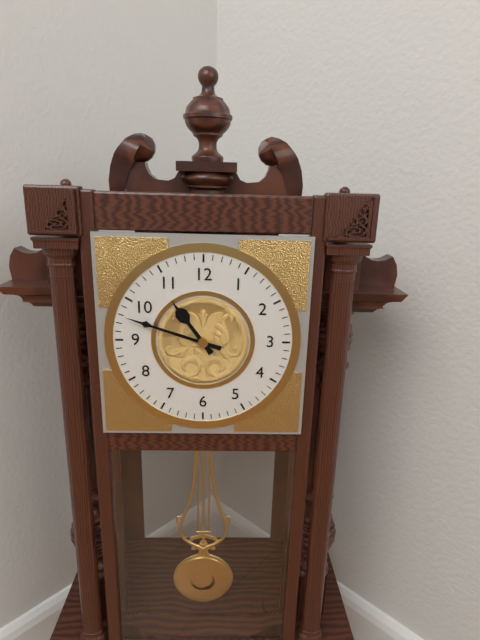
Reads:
{"hour": 10, "minute": 48}
